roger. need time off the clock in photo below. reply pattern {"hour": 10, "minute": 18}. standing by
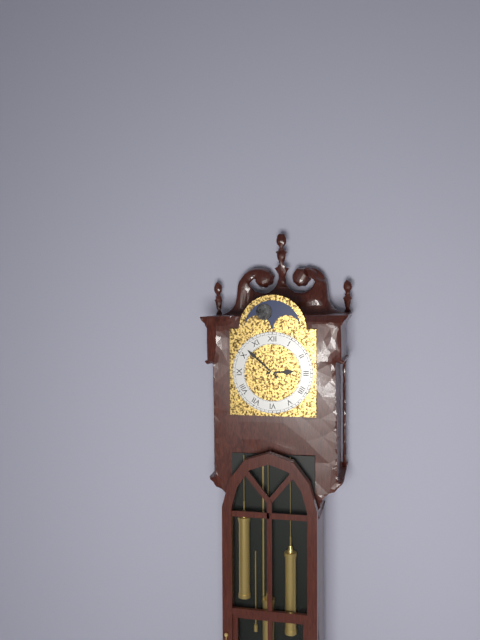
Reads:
{"hour": 2, "minute": 52}
